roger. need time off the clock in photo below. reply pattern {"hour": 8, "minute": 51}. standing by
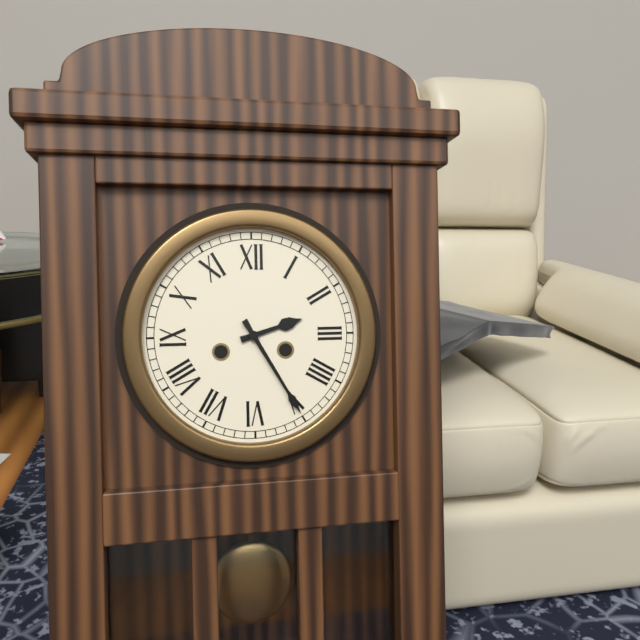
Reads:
{"hour": 2, "minute": 25}
